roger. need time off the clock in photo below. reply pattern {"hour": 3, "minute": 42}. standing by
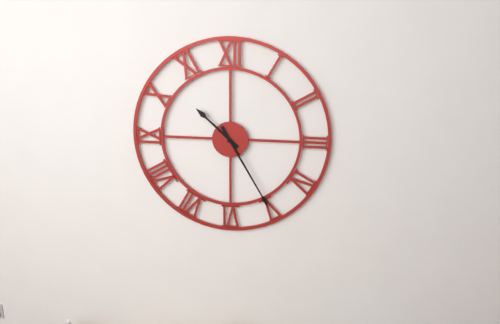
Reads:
{"hour": 10, "minute": 25}
